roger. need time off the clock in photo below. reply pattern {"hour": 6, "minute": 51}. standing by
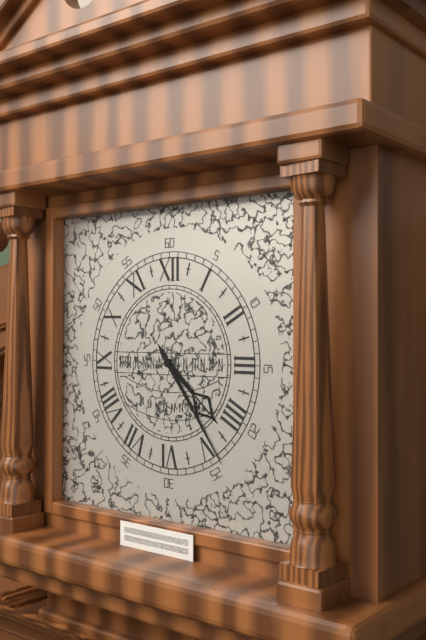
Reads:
{"hour": 4, "minute": 24}
